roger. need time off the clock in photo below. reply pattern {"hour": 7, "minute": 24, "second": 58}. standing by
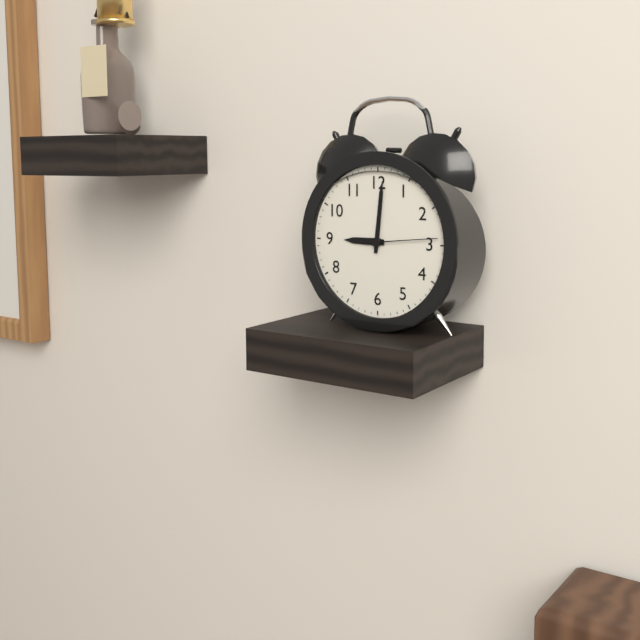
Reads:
{"hour": 9, "minute": 1, "second": 14}
